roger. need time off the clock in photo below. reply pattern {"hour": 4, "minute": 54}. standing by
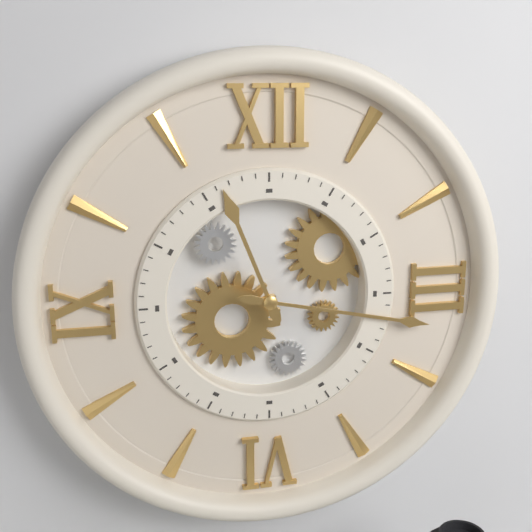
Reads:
{"hour": 11, "minute": 17}
